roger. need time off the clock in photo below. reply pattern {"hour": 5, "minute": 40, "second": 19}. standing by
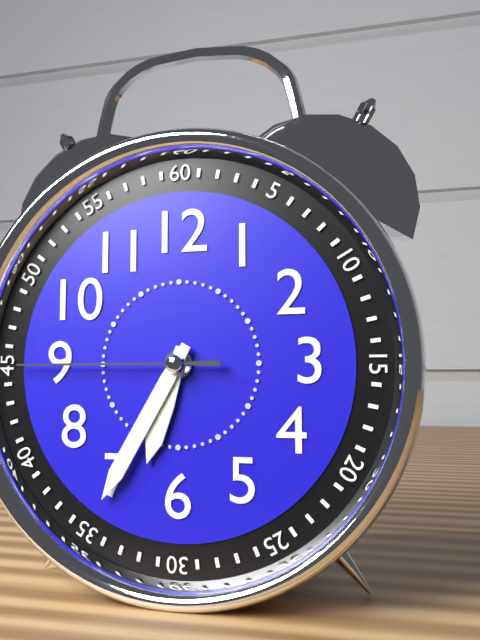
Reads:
{"hour": 6, "minute": 35, "second": 45}
